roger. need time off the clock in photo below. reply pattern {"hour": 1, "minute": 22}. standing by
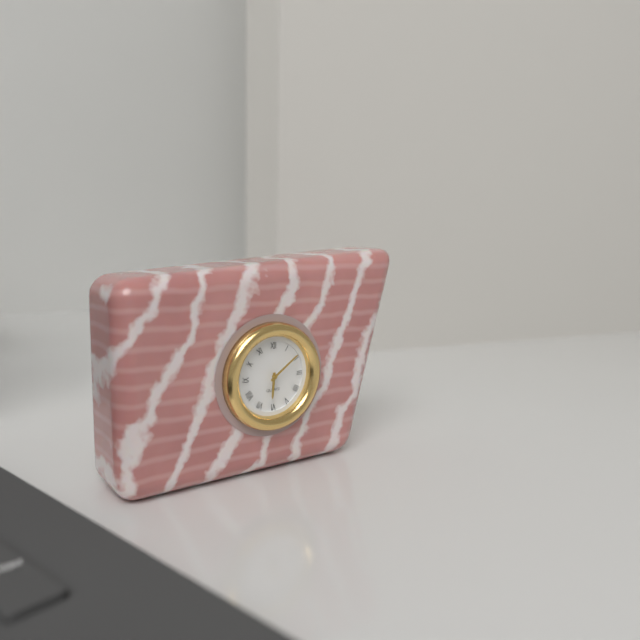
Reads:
{"hour": 6, "minute": 9}
